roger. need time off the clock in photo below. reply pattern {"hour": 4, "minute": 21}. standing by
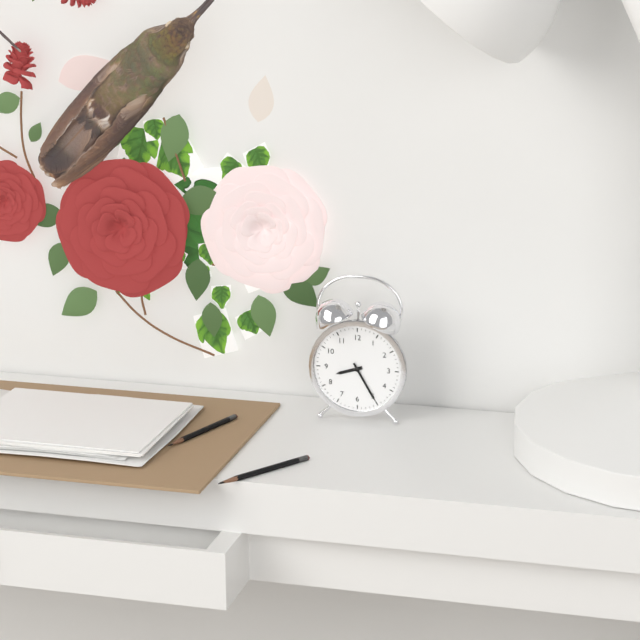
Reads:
{"hour": 8, "minute": 25}
